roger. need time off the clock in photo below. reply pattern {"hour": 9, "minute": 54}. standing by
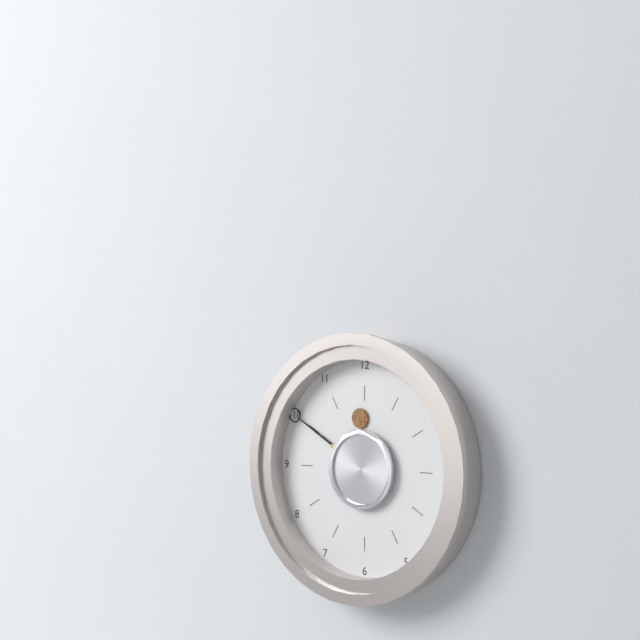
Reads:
{"hour": 11, "minute": 50}
